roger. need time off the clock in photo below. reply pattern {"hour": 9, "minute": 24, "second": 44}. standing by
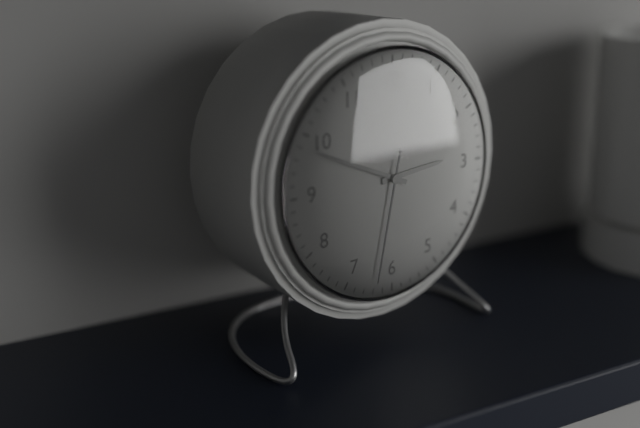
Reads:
{"hour": 2, "minute": 49, "second": 32}
